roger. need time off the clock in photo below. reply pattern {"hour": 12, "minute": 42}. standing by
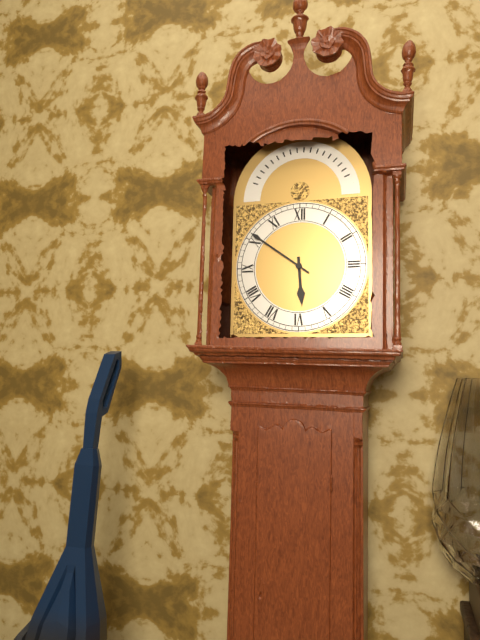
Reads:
{"hour": 5, "minute": 51}
